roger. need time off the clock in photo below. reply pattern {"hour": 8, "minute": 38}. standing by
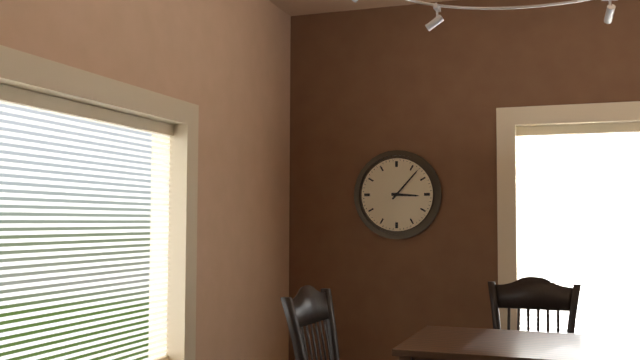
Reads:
{"hour": 3, "minute": 7}
